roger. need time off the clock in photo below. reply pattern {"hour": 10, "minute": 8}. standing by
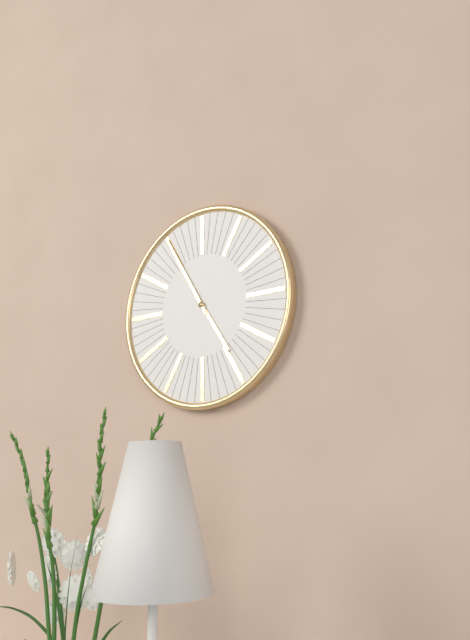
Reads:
{"hour": 4, "minute": 55}
